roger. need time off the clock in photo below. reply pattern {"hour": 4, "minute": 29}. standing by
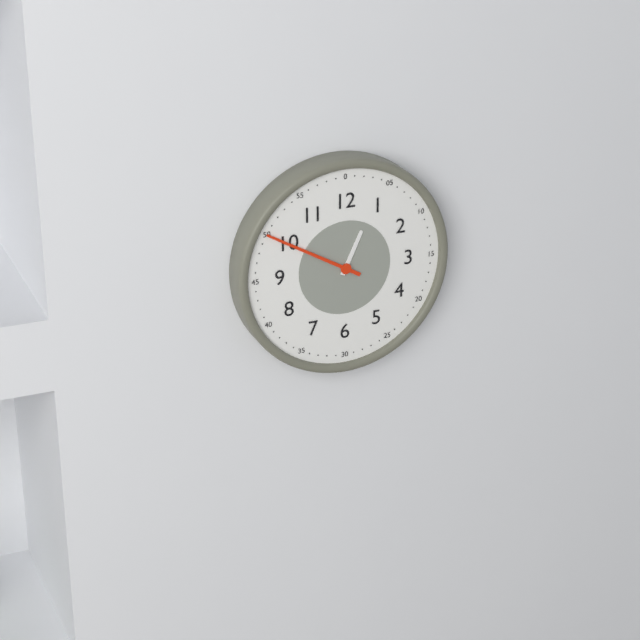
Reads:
{"hour": 12, "minute": 50}
